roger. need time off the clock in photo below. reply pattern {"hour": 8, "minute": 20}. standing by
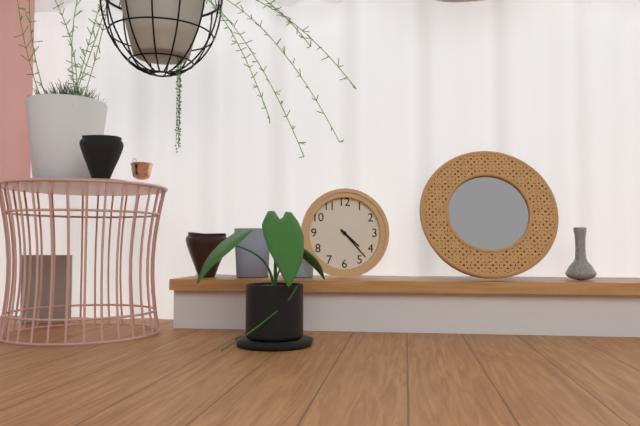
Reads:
{"hour": 4, "minute": 23}
